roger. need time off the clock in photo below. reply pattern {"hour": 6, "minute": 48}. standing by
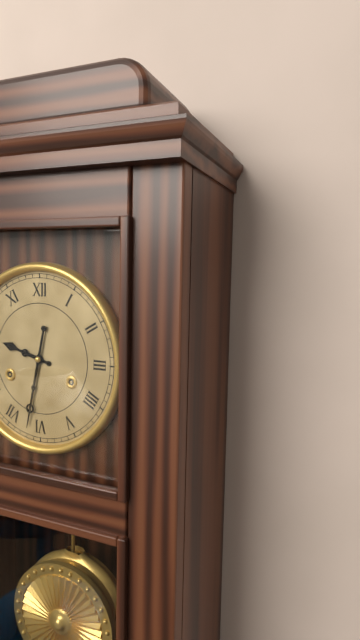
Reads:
{"hour": 9, "minute": 32}
